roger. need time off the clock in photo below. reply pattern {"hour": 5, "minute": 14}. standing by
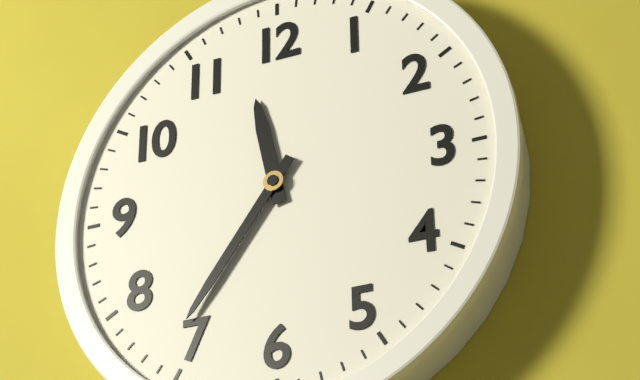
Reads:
{"hour": 11, "minute": 36}
